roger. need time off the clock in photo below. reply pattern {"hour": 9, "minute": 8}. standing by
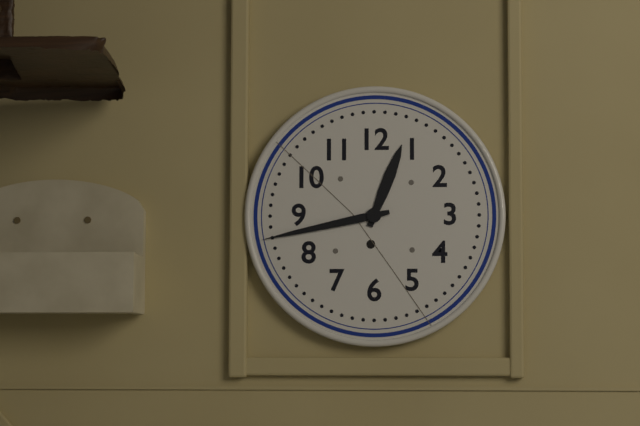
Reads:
{"hour": 12, "minute": 43}
